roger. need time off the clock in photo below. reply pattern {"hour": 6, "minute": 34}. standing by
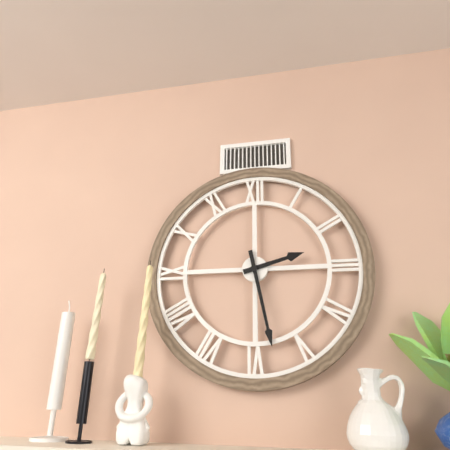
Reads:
{"hour": 2, "minute": 28}
